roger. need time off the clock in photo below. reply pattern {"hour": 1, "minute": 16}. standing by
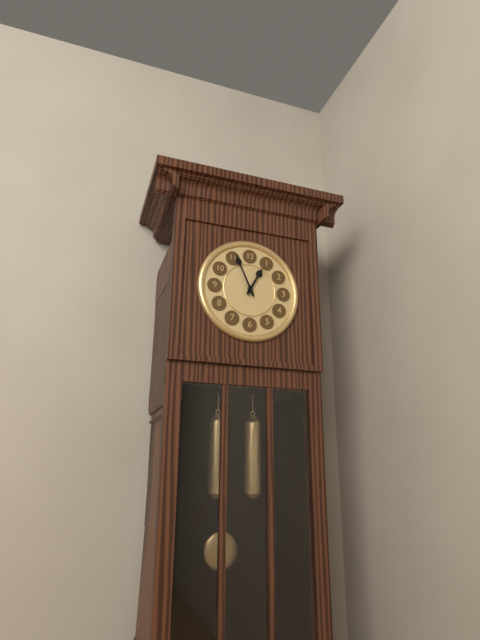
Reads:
{"hour": 12, "minute": 56}
